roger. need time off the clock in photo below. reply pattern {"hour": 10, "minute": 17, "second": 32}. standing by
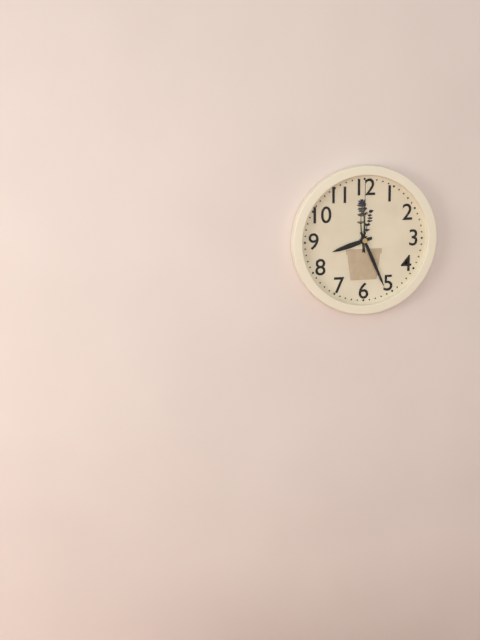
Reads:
{"hour": 8, "minute": 26, "second": 0}
